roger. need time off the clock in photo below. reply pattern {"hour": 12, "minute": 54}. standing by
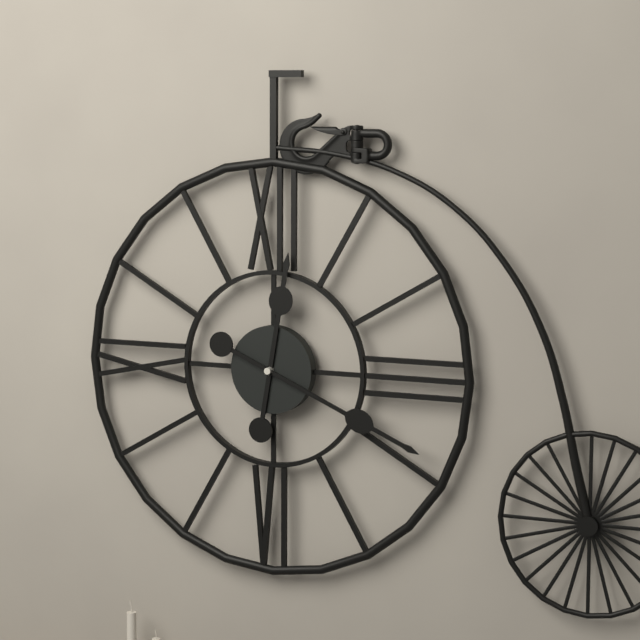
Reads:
{"hour": 12, "minute": 19}
